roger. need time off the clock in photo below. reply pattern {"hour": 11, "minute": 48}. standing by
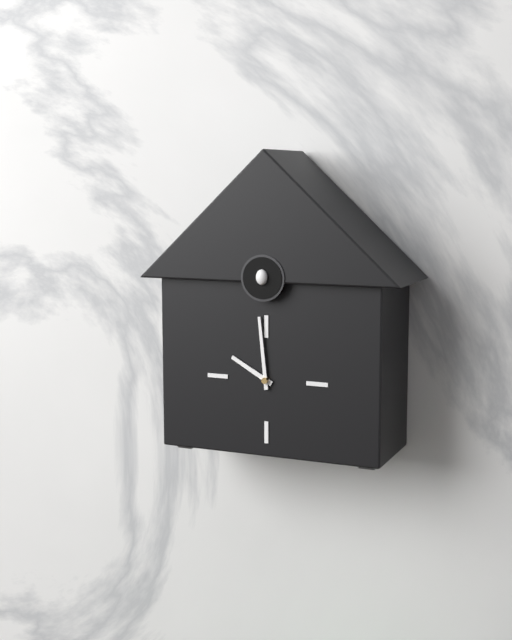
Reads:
{"hour": 9, "minute": 59}
